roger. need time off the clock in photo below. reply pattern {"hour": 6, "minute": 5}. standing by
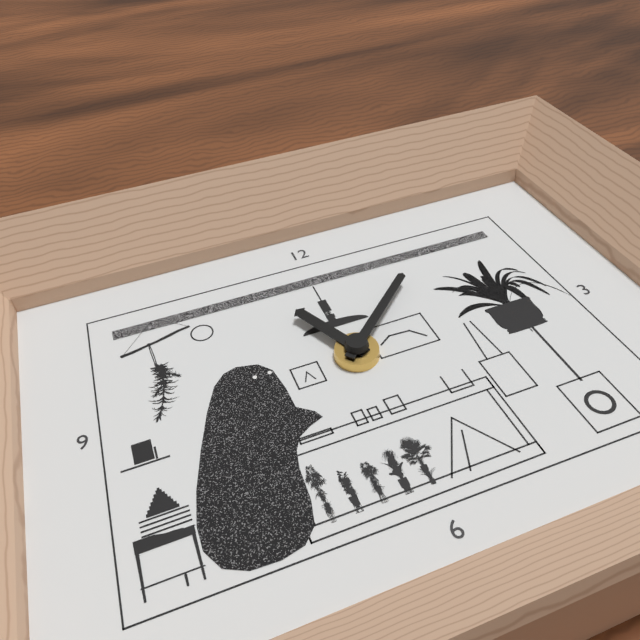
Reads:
{"hour": 11, "minute": 8}
